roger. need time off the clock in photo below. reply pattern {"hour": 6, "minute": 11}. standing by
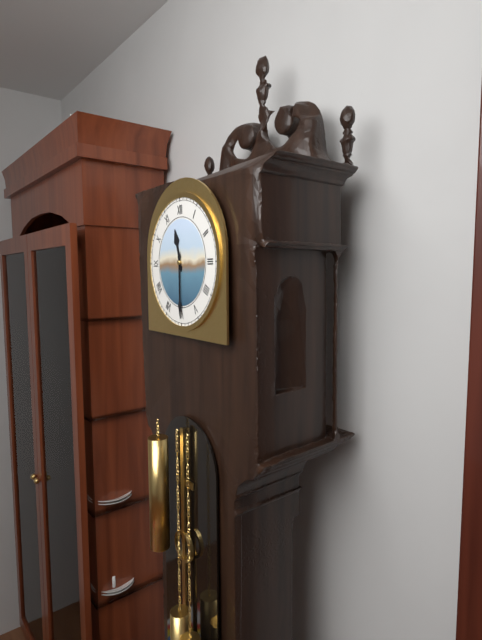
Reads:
{"hour": 11, "minute": 30}
